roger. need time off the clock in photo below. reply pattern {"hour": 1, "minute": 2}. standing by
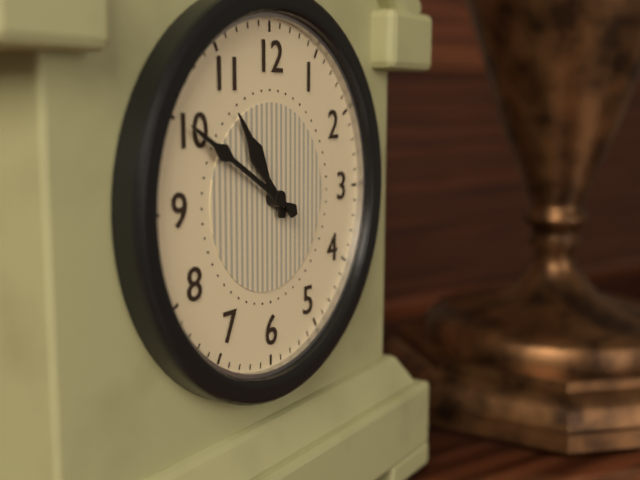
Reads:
{"hour": 10, "minute": 50}
